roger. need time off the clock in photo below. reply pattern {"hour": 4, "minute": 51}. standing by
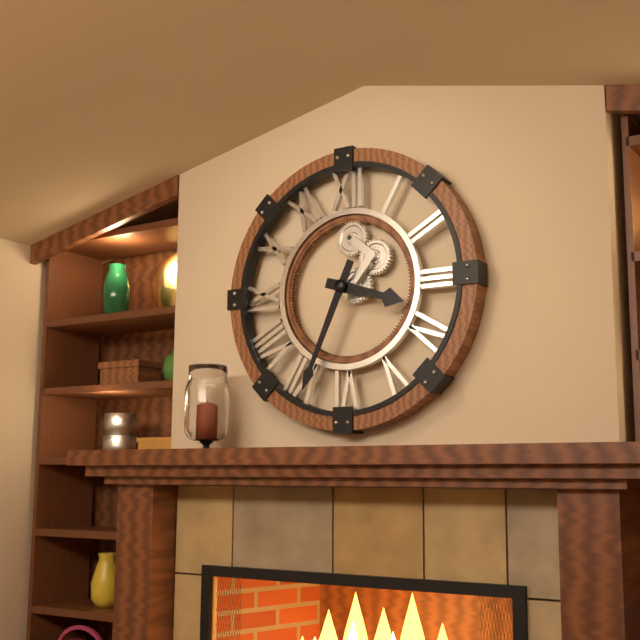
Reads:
{"hour": 3, "minute": 34}
